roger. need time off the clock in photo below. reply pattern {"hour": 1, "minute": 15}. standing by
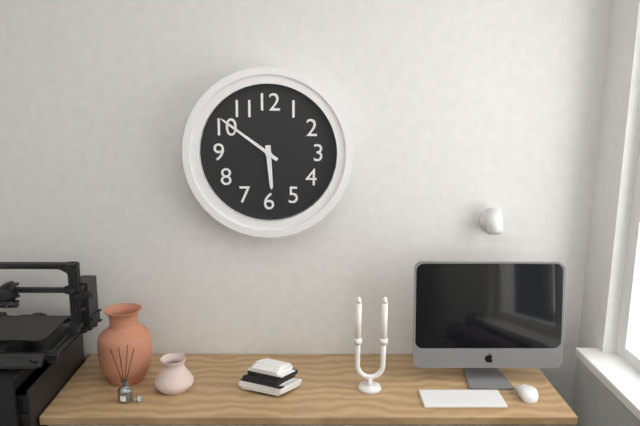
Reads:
{"hour": 5, "minute": 51}
